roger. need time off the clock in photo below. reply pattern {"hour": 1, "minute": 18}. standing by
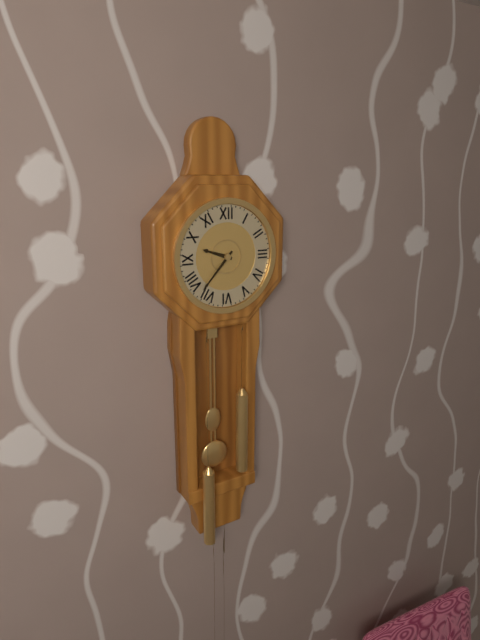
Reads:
{"hour": 9, "minute": 37}
